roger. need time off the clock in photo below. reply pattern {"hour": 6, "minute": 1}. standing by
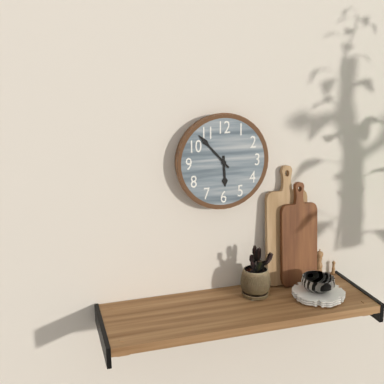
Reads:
{"hour": 5, "minute": 53}
